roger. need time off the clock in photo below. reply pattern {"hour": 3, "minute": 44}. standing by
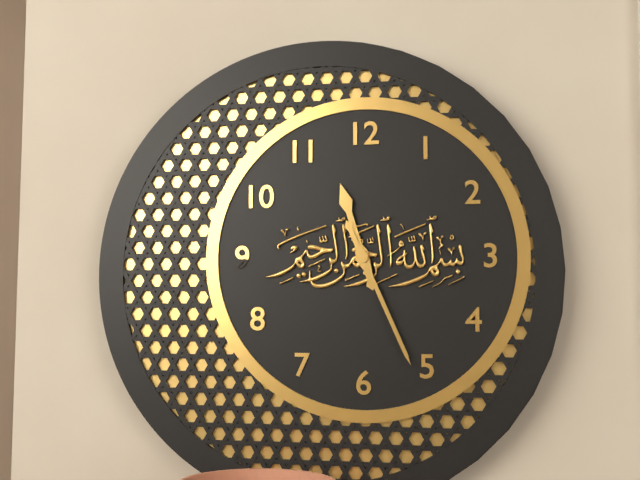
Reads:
{"hour": 11, "minute": 26}
